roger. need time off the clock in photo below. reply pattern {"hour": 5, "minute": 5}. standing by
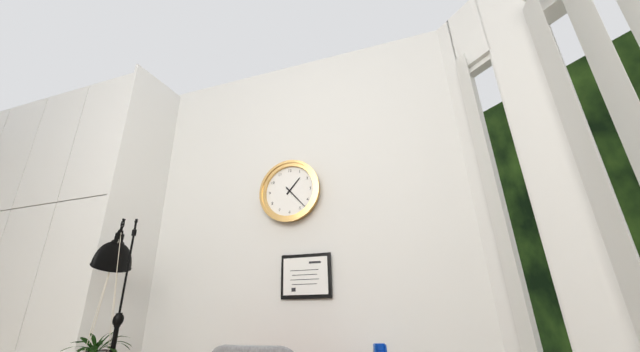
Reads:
{"hour": 1, "minute": 23}
